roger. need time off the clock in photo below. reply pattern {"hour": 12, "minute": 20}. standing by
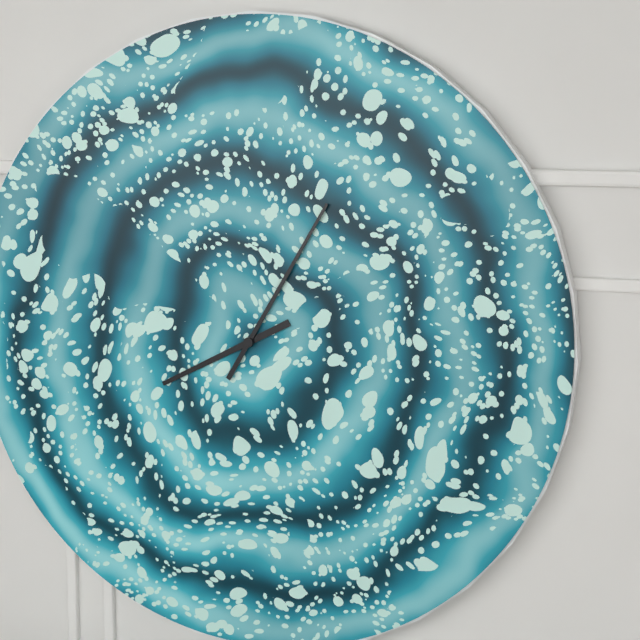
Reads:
{"hour": 8, "minute": 5}
